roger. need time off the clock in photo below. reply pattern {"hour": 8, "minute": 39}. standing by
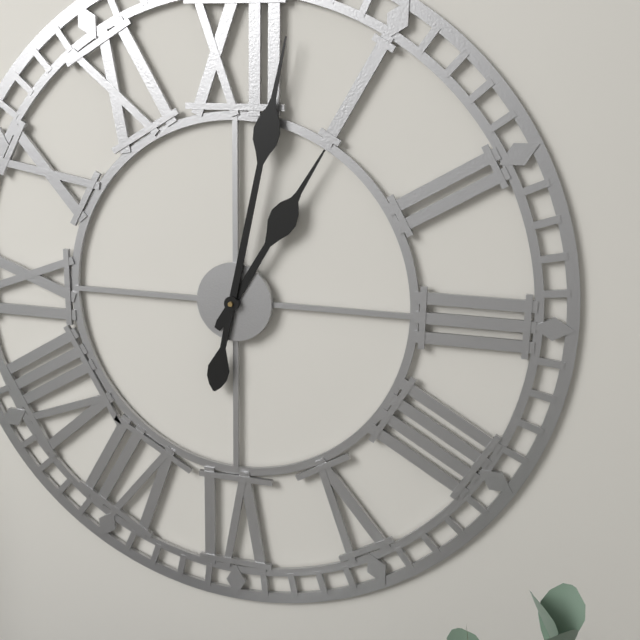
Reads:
{"hour": 1, "minute": 2}
